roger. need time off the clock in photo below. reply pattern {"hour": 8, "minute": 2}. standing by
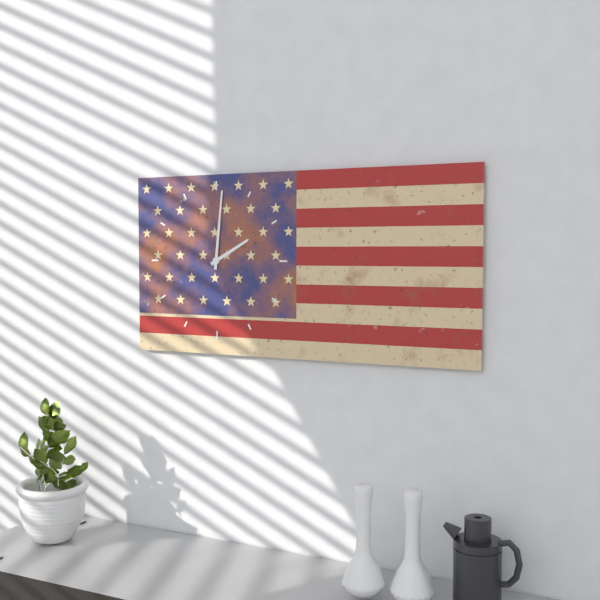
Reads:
{"hour": 2, "minute": 1}
